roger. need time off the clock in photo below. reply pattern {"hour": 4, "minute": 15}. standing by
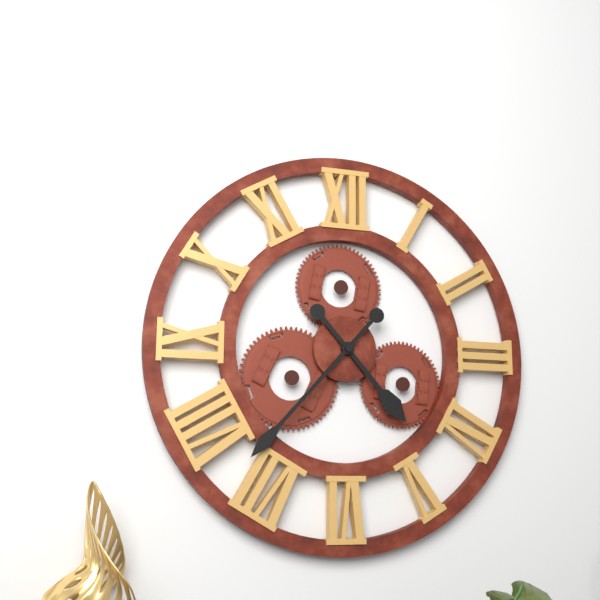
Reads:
{"hour": 4, "minute": 37}
